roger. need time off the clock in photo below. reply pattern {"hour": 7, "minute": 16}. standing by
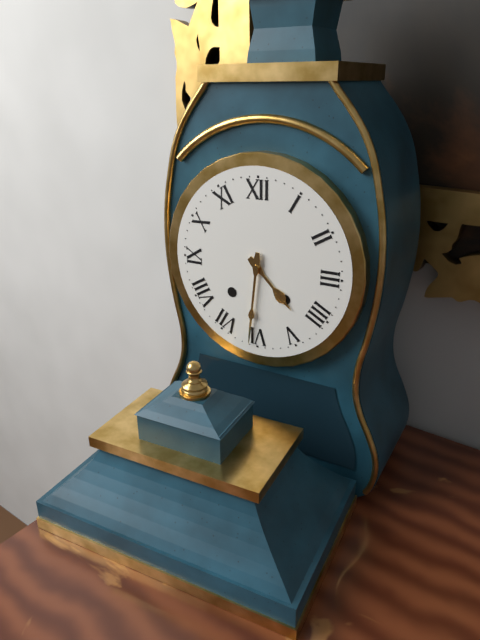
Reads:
{"hour": 4, "minute": 31}
